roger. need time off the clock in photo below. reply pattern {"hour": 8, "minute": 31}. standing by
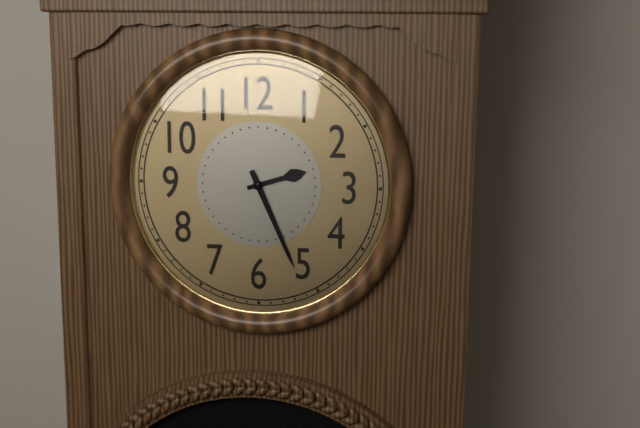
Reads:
{"hour": 2, "minute": 26}
